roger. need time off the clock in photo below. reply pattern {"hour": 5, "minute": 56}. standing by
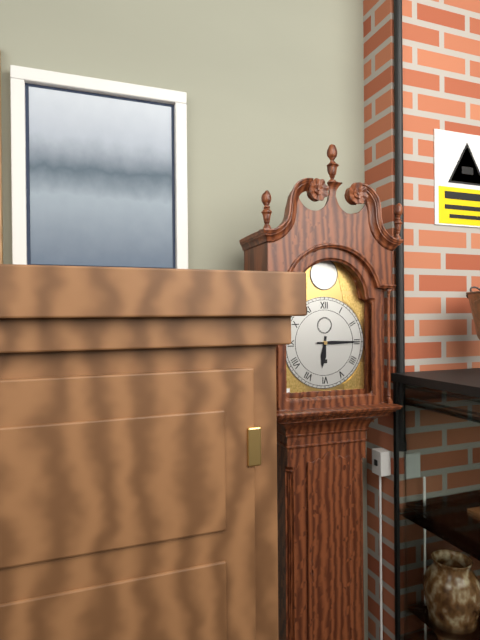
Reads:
{"hour": 6, "minute": 15}
